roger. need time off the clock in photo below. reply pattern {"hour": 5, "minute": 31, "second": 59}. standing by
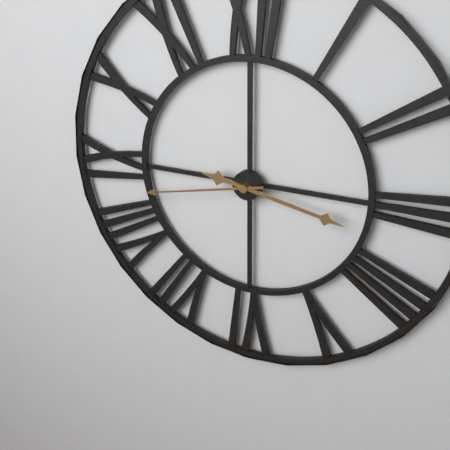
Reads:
{"hour": 9, "minute": 17, "second": 43}
